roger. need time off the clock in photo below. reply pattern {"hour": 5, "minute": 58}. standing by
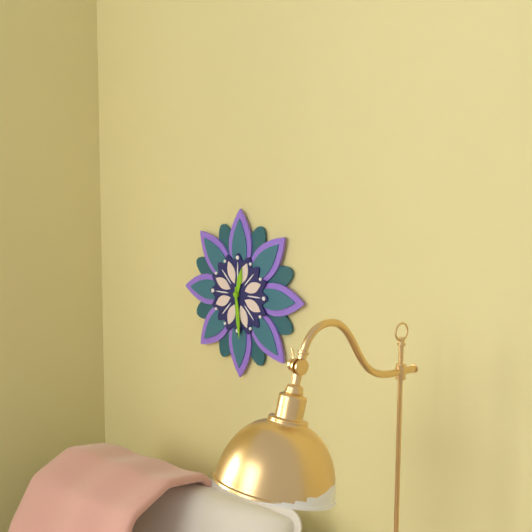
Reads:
{"hour": 12, "minute": 29}
